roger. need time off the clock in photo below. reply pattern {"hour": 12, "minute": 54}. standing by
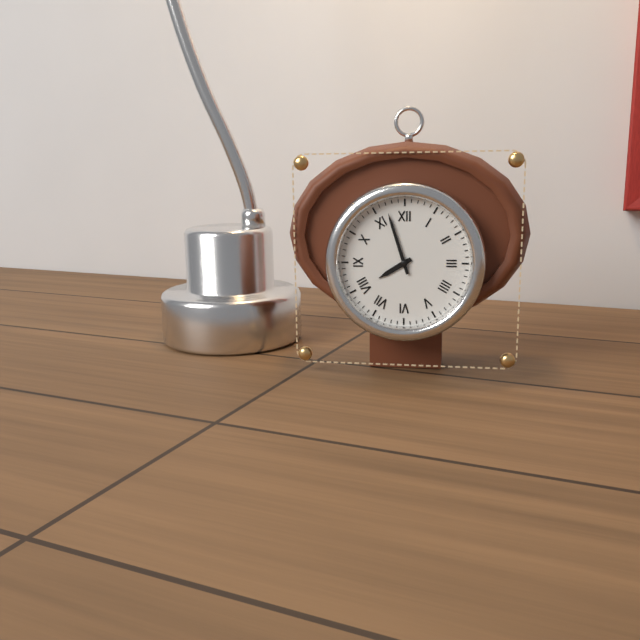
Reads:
{"hour": 7, "minute": 57}
